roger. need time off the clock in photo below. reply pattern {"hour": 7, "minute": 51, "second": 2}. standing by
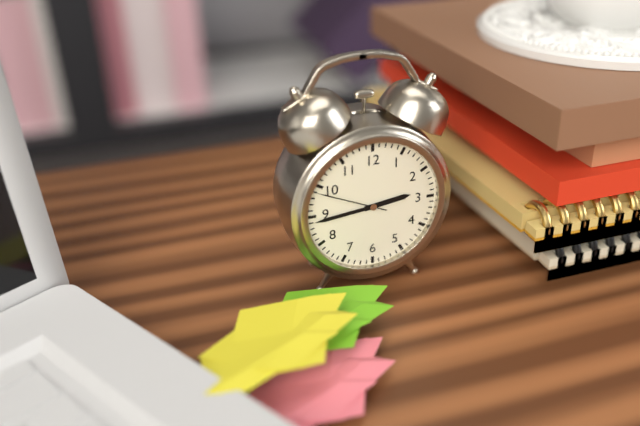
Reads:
{"hour": 2, "minute": 44, "second": 49}
